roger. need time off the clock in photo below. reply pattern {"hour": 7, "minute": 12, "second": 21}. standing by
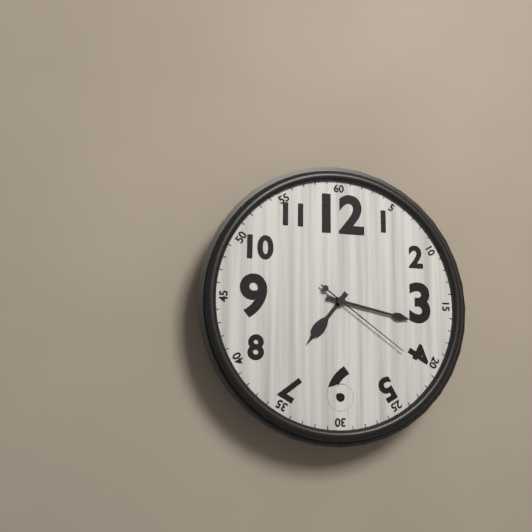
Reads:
{"hour": 7, "minute": 17, "second": 21}
